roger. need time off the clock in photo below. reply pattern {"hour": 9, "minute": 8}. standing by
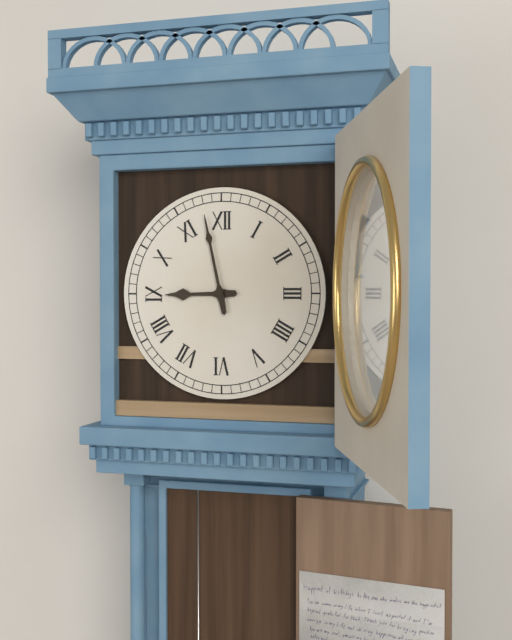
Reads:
{"hour": 8, "minute": 58}
